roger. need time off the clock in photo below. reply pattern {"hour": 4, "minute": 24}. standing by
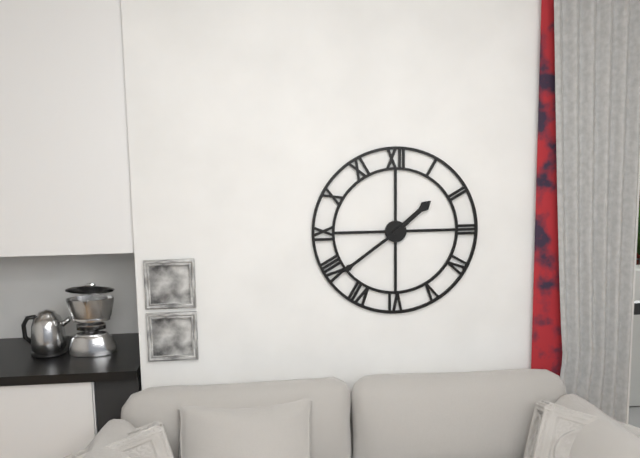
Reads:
{"hour": 1, "minute": 39}
